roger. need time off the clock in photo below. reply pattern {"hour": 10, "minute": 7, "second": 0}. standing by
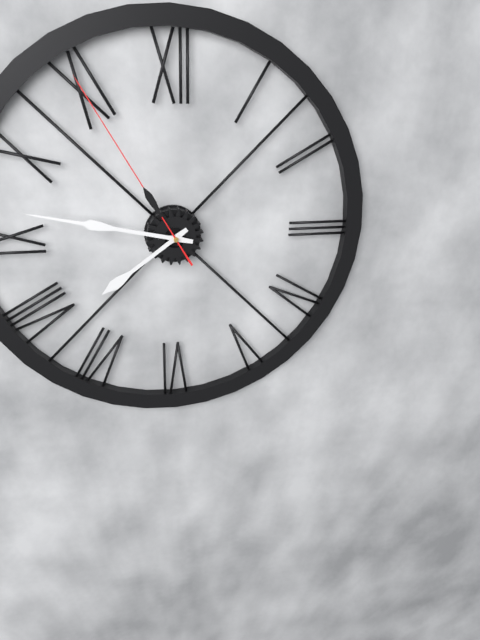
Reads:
{"hour": 7, "minute": 47, "second": 55}
